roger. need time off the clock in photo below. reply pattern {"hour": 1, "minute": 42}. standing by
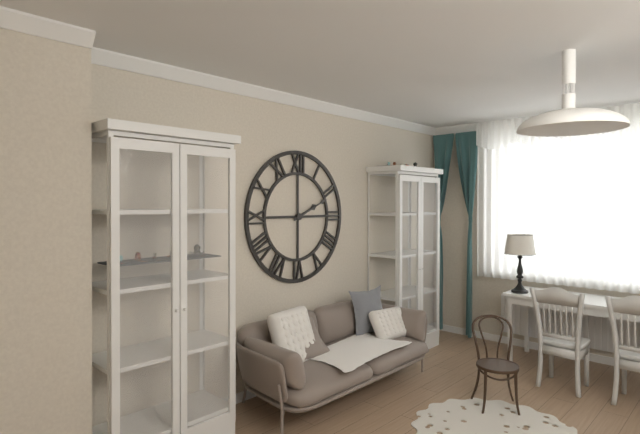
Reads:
{"hour": 2, "minute": 11}
